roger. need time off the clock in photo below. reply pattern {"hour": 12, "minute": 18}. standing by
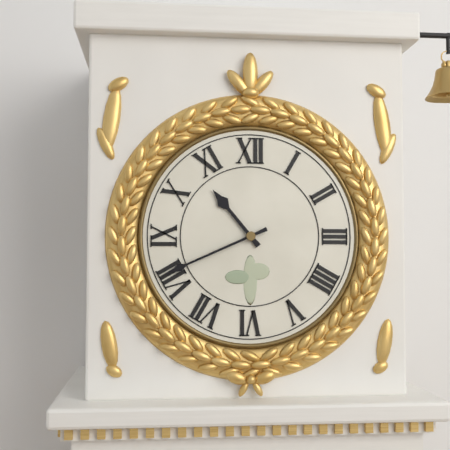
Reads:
{"hour": 10, "minute": 41}
